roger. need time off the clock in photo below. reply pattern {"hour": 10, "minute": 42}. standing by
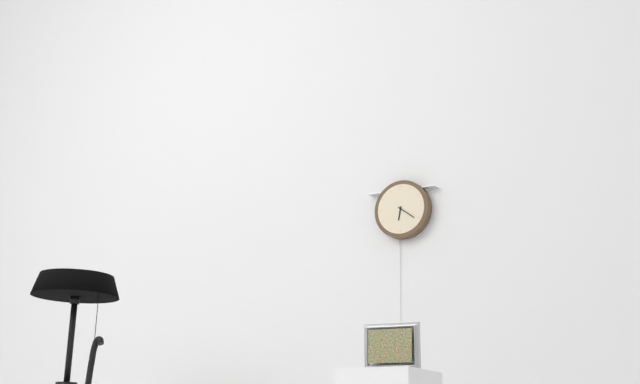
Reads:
{"hour": 6, "minute": 21}
